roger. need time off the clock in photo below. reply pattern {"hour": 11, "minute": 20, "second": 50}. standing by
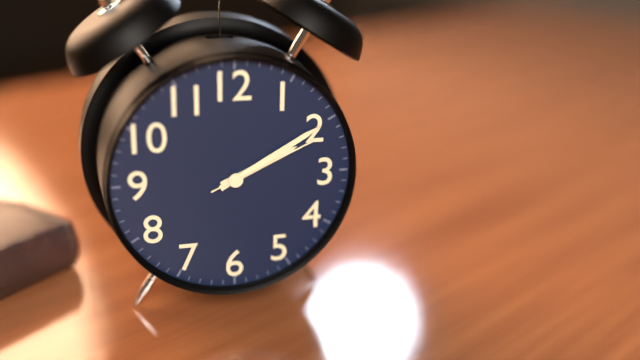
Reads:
{"hour": 2, "minute": 10, "second": 11}
